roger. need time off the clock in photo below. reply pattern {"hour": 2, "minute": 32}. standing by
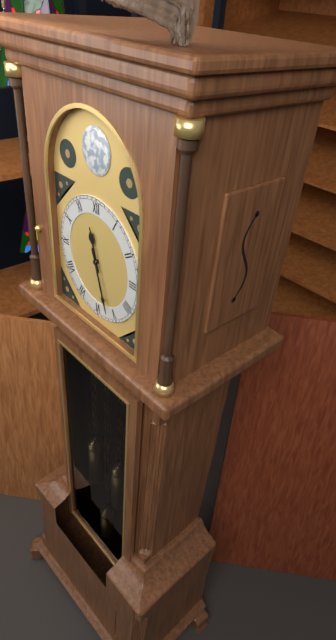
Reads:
{"hour": 11, "minute": 27}
